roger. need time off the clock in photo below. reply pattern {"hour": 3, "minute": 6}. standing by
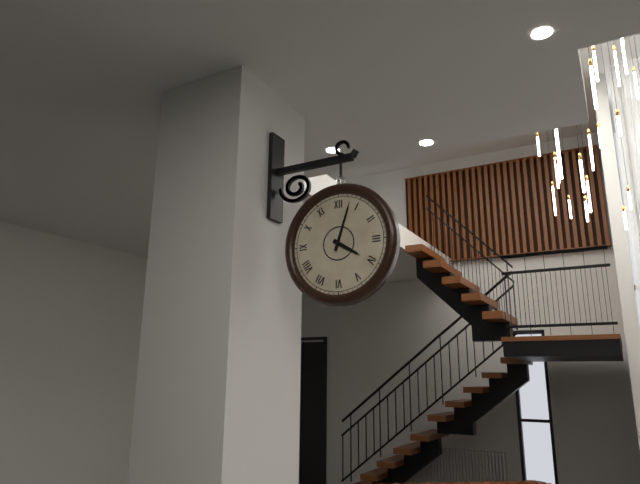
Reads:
{"hour": 4, "minute": 3}
